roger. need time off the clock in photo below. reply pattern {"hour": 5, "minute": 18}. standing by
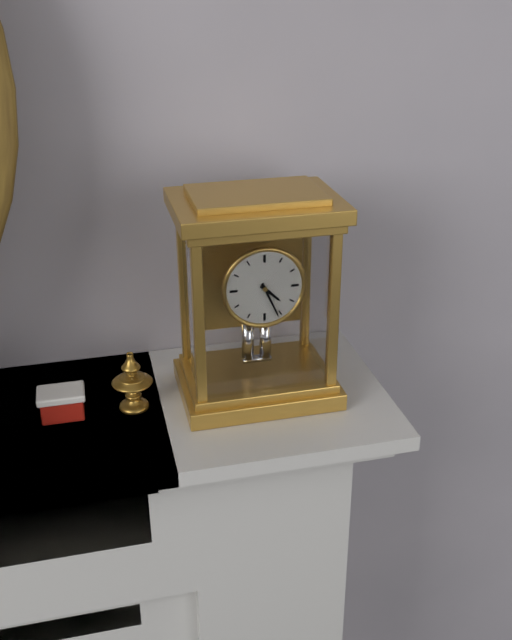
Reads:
{"hour": 4, "minute": 26}
